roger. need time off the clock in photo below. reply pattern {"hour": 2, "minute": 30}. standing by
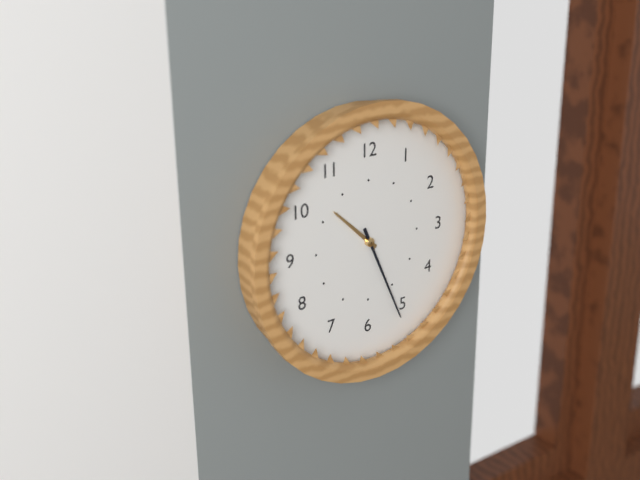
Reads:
{"hour": 10, "minute": 26}
